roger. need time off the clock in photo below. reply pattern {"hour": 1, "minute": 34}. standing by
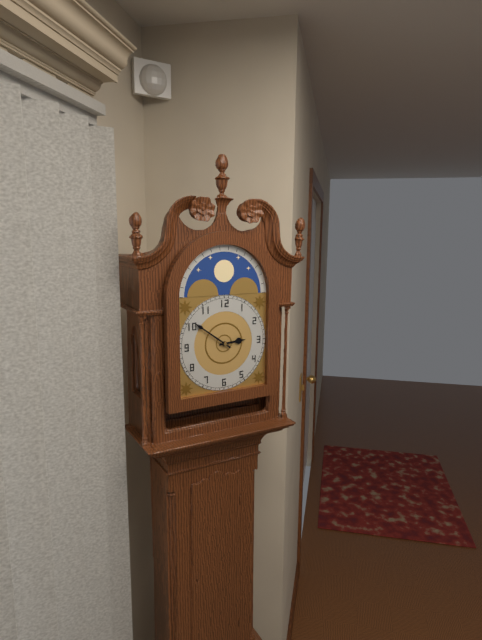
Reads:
{"hour": 2, "minute": 51}
